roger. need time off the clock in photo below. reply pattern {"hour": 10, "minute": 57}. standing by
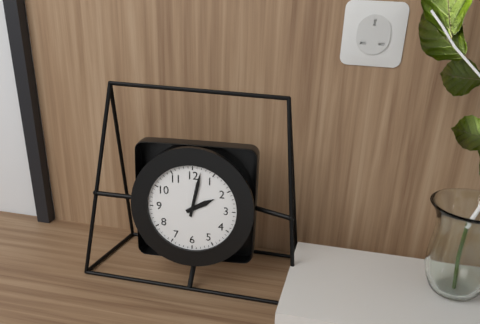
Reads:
{"hour": 2, "minute": 2}
